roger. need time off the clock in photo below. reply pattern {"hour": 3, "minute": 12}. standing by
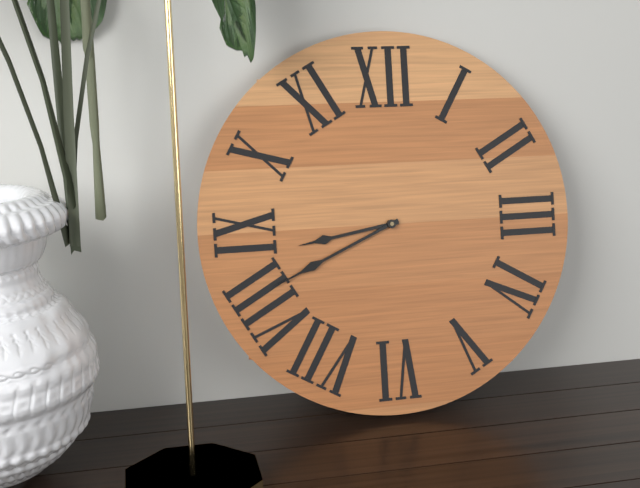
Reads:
{"hour": 8, "minute": 41}
